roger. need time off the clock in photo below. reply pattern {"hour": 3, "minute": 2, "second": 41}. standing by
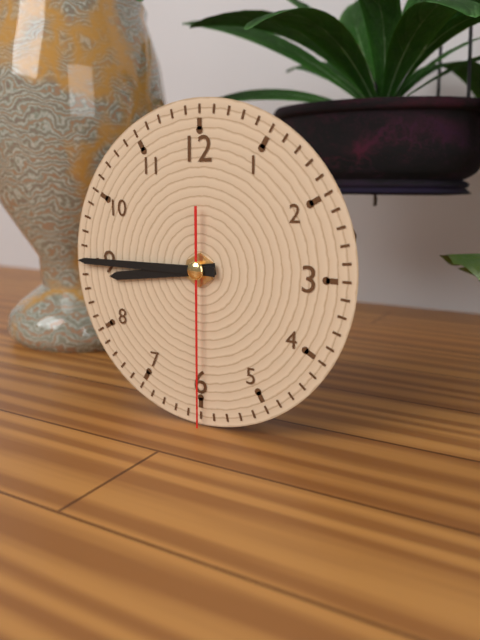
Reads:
{"hour": 8, "minute": 45, "second": 30}
